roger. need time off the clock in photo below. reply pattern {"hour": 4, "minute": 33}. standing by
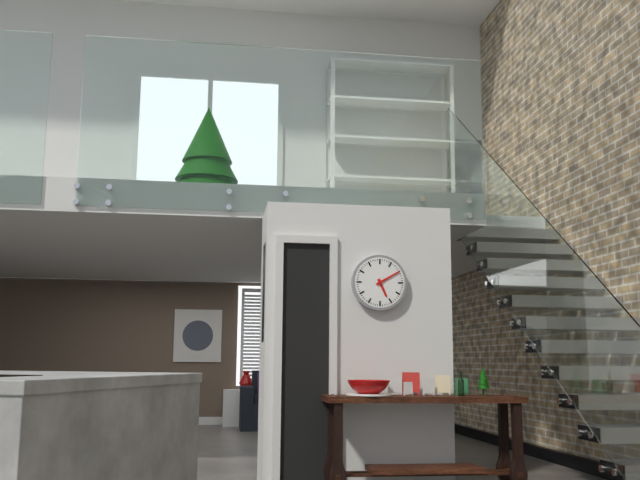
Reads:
{"hour": 5, "minute": 10}
